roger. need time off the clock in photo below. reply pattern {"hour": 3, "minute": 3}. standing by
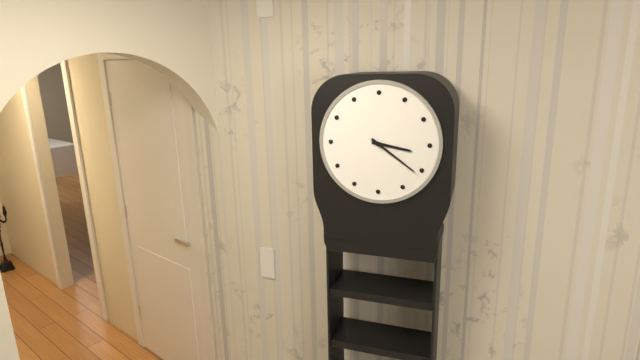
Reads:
{"hour": 3, "minute": 21}
